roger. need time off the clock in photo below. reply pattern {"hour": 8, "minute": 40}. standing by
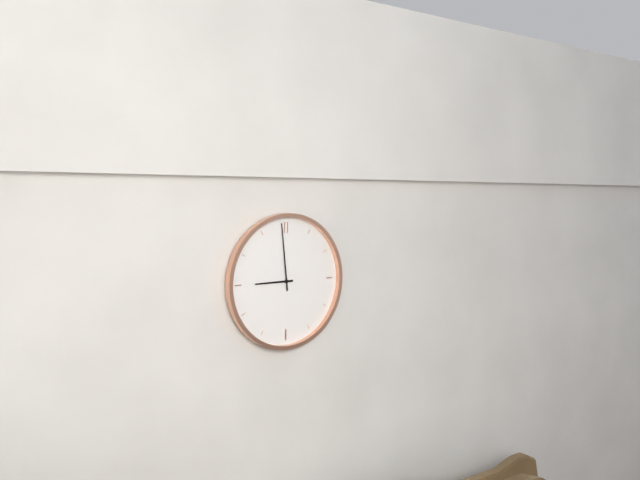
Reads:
{"hour": 8, "minute": 59}
